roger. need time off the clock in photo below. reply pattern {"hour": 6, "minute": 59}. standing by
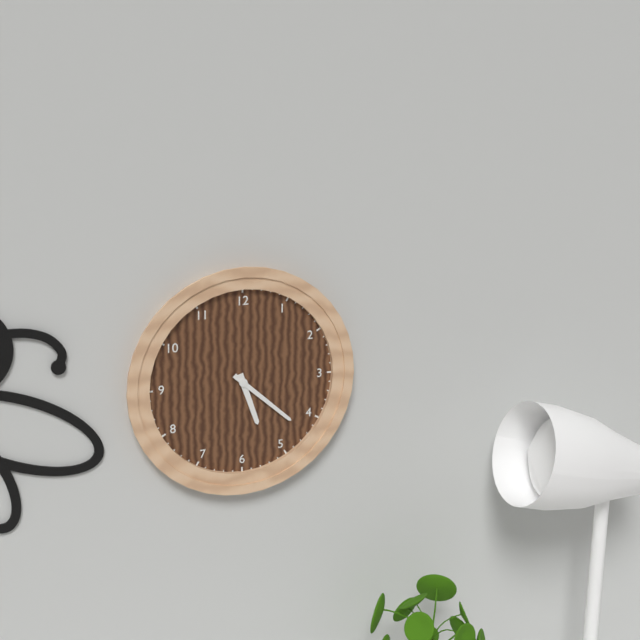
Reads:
{"hour": 5, "minute": 22}
